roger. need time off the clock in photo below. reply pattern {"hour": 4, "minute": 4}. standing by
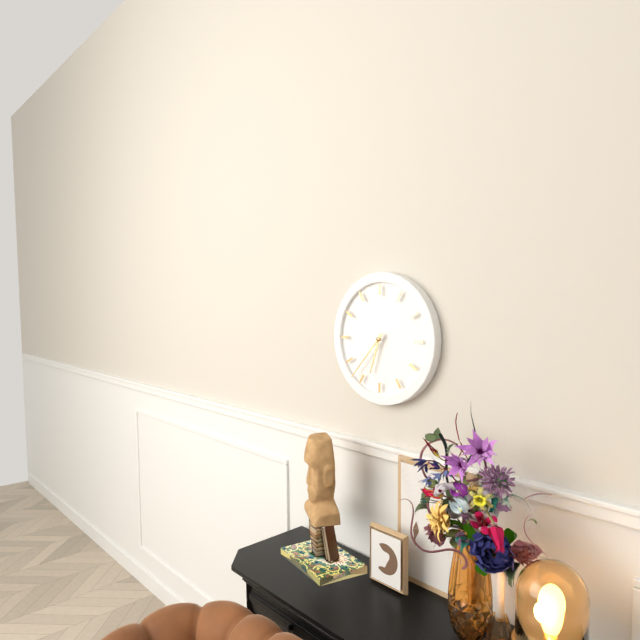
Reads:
{"hour": 6, "minute": 37}
